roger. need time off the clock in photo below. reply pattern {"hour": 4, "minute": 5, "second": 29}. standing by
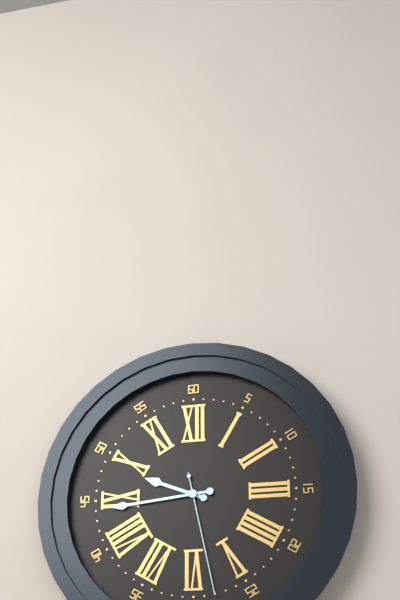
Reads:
{"hour": 9, "minute": 44, "second": 28}
